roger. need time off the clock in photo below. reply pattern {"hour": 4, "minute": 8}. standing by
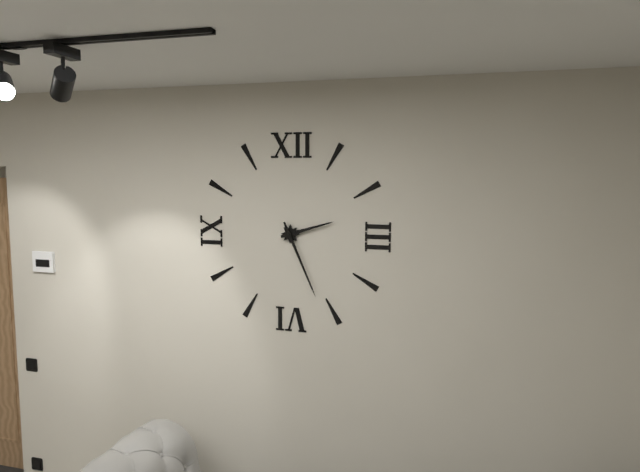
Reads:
{"hour": 2, "minute": 26}
